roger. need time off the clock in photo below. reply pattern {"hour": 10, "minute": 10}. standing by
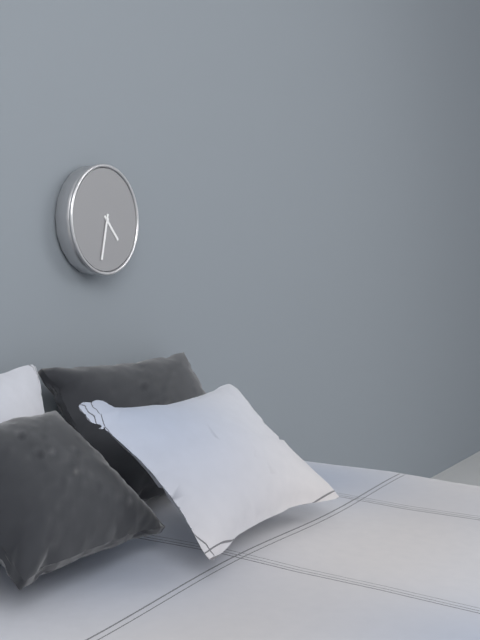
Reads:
{"hour": 4, "minute": 32}
